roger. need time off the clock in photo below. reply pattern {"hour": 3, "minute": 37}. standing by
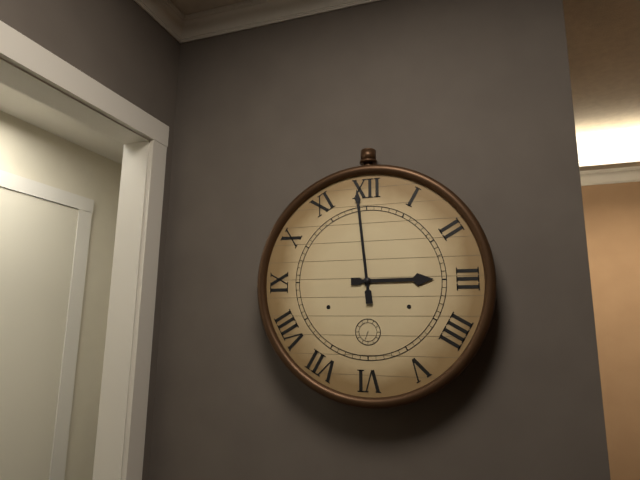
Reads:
{"hour": 2, "minute": 59}
